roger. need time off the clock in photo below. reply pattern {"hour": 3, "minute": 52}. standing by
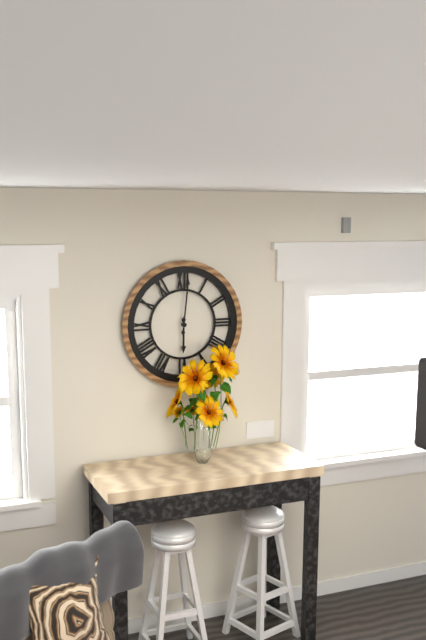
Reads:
{"hour": 6, "minute": 1}
